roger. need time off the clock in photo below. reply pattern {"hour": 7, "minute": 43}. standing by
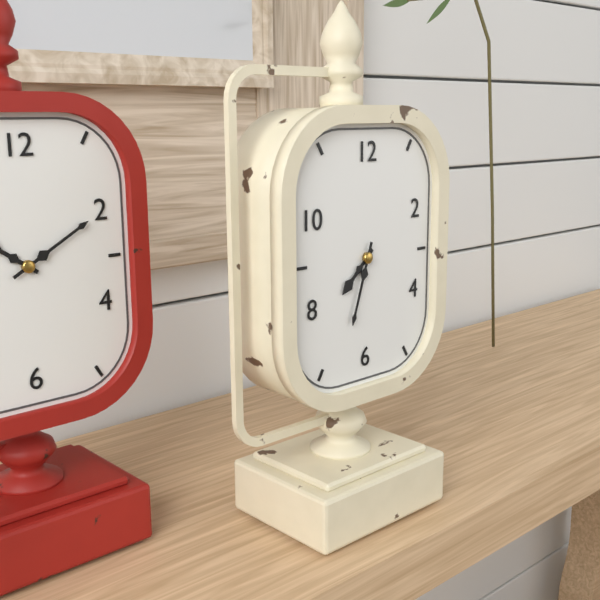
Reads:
{"hour": 7, "minute": 33}
